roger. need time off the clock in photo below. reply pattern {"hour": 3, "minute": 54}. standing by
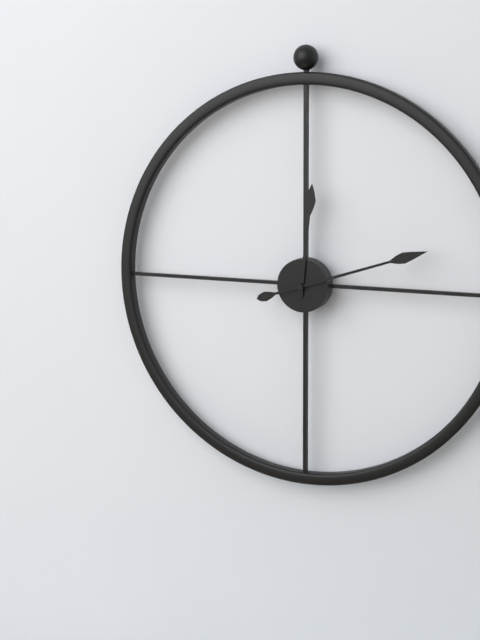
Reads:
{"hour": 12, "minute": 12}
